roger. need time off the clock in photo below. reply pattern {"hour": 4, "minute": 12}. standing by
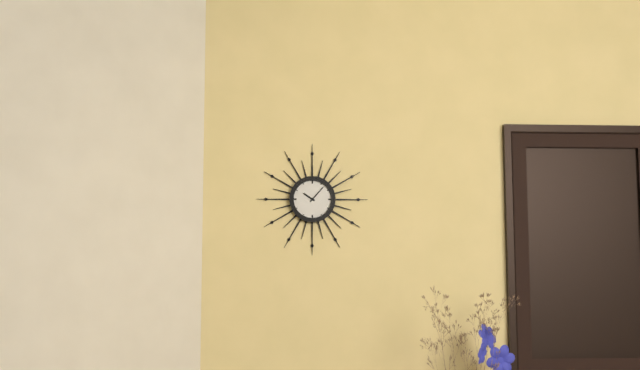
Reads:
{"hour": 10, "minute": 7}
